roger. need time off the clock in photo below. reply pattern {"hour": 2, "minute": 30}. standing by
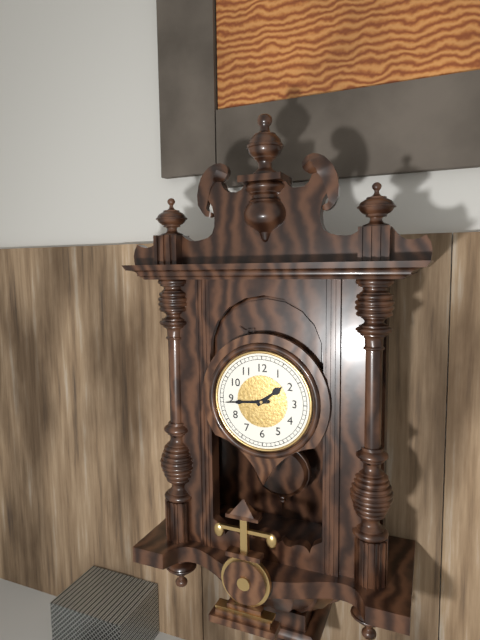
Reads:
{"hour": 1, "minute": 44}
